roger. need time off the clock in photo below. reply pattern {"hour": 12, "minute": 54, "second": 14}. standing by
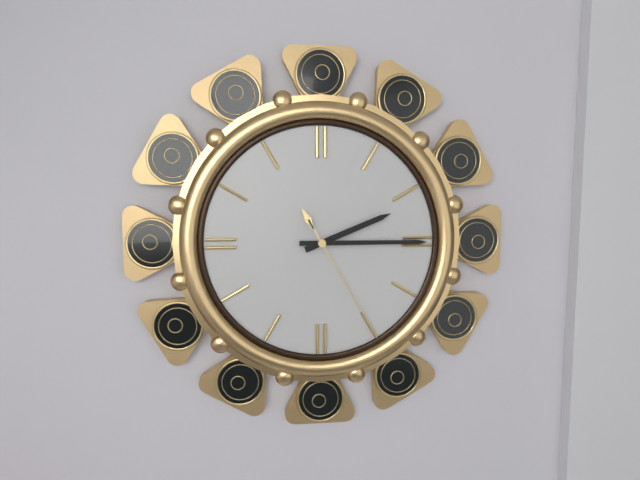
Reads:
{"hour": 2, "minute": 15, "second": 25}
